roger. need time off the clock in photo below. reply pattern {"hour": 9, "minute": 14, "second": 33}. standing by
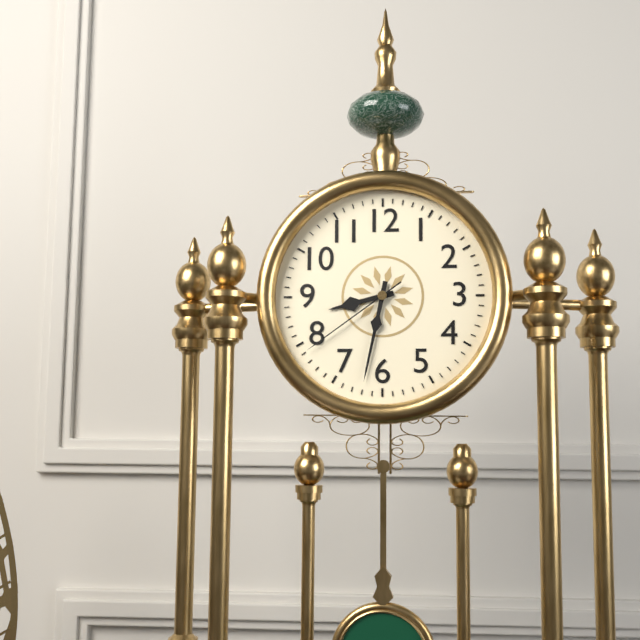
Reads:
{"hour": 8, "minute": 32, "second": 39}
